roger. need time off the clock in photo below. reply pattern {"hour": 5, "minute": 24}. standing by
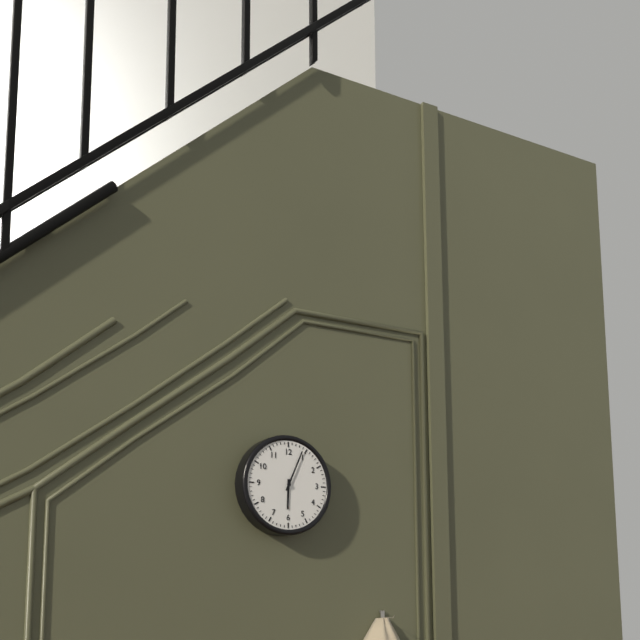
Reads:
{"hour": 6, "minute": 4}
